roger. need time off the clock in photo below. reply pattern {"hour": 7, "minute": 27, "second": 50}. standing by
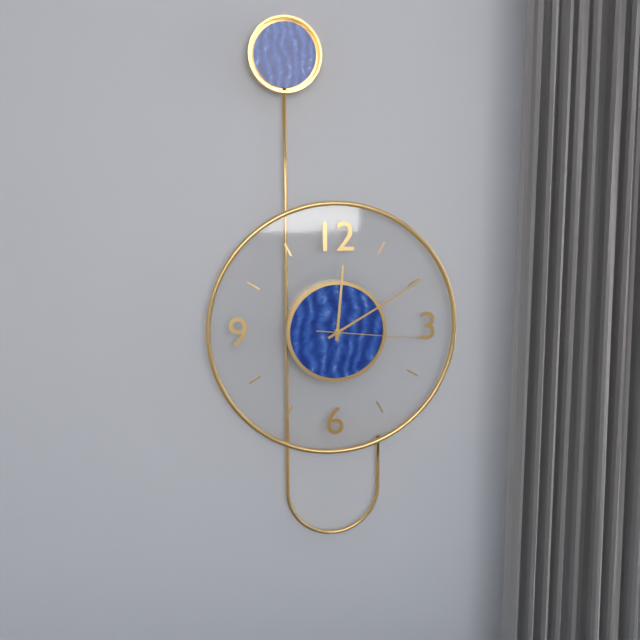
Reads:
{"hour": 12, "minute": 10, "second": 16}
